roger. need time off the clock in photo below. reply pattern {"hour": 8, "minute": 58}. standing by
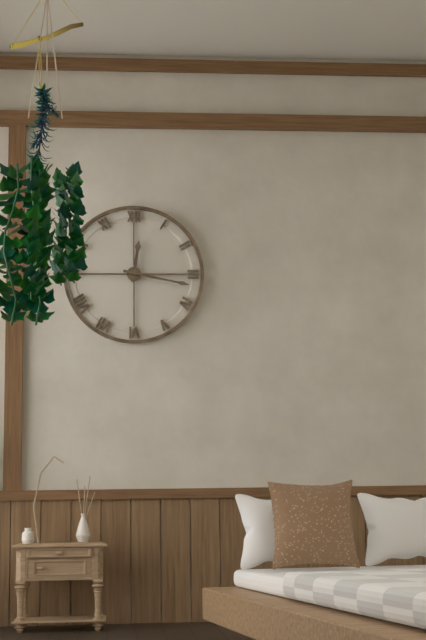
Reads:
{"hour": 12, "minute": 17}
